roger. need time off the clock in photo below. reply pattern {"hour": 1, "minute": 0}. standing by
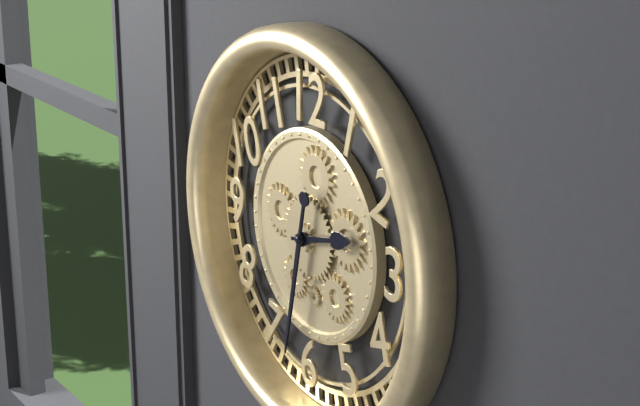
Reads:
{"hour": 2, "minute": 32}
